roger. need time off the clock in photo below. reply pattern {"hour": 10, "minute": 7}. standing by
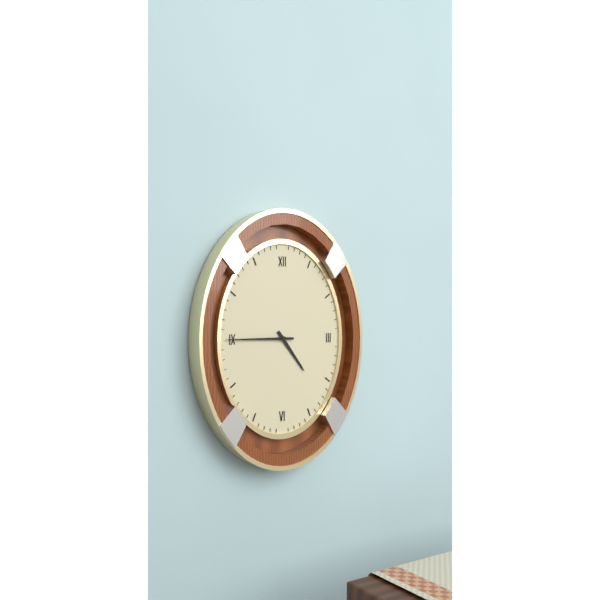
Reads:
{"hour": 4, "minute": 45}
